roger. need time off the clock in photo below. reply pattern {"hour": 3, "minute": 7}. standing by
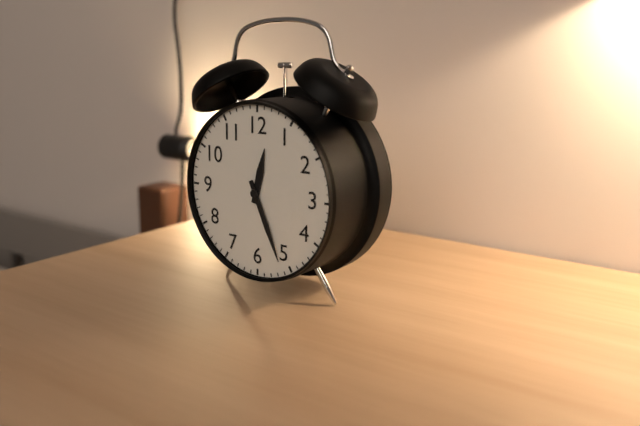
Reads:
{"hour": 12, "minute": 26}
